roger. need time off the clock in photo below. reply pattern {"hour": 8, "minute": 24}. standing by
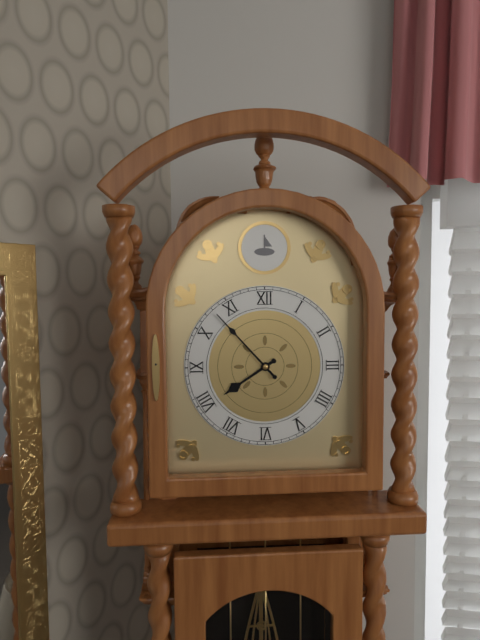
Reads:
{"hour": 7, "minute": 53}
